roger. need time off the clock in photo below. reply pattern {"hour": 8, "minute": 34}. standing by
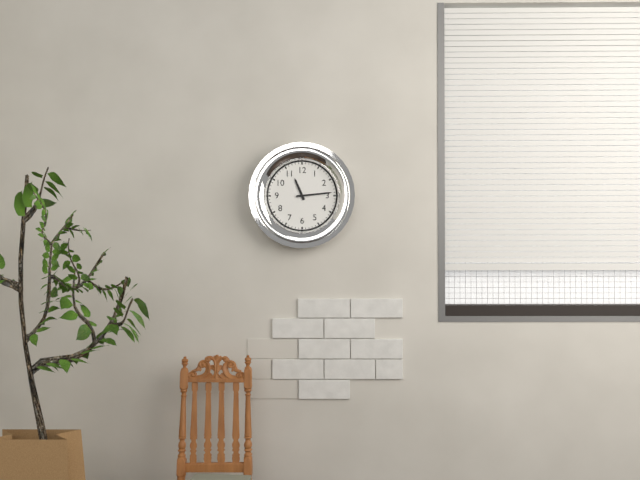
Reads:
{"hour": 11, "minute": 14}
